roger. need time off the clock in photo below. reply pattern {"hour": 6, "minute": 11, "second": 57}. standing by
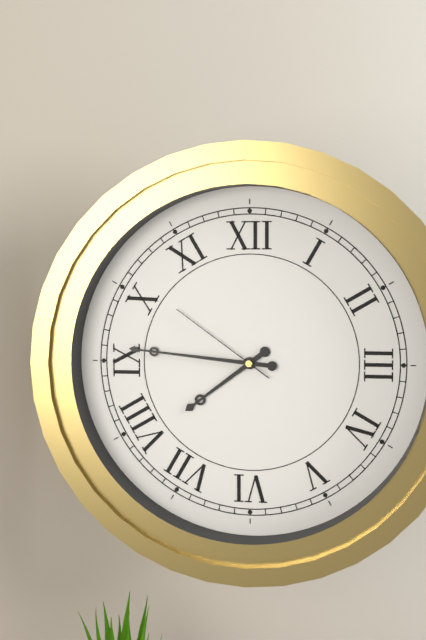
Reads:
{"hour": 7, "minute": 46, "second": 51}
